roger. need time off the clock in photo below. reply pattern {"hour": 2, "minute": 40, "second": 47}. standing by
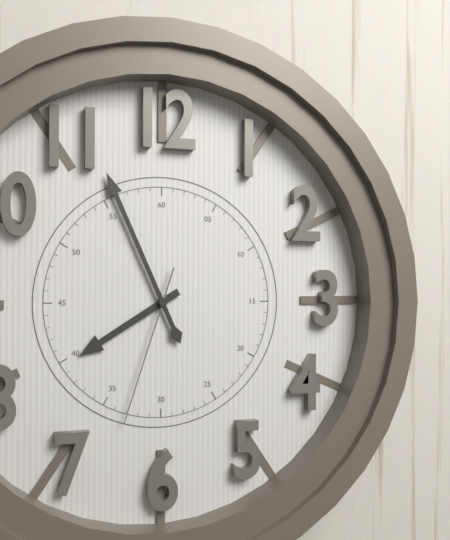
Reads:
{"hour": 7, "minute": 56, "second": 33}
